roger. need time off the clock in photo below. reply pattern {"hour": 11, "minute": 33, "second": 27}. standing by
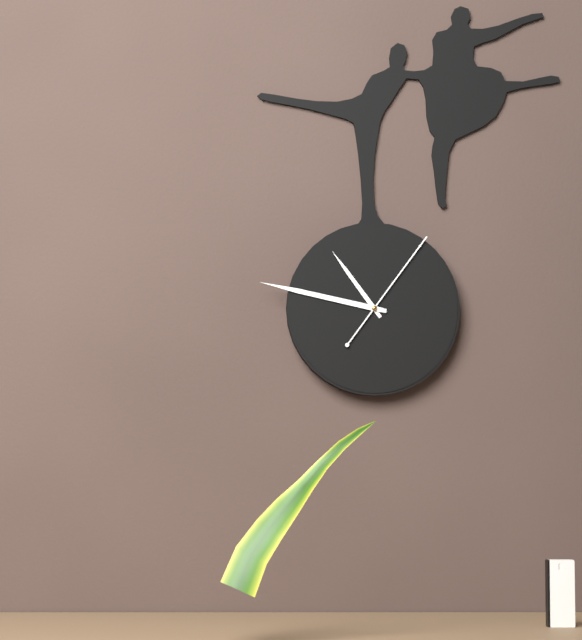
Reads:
{"hour": 10, "minute": 47, "second": 6}
